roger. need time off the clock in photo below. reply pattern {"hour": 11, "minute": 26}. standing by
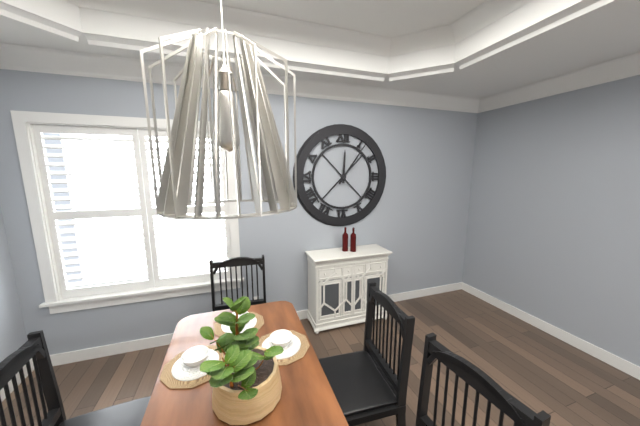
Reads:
{"hour": 12, "minute": 6}
